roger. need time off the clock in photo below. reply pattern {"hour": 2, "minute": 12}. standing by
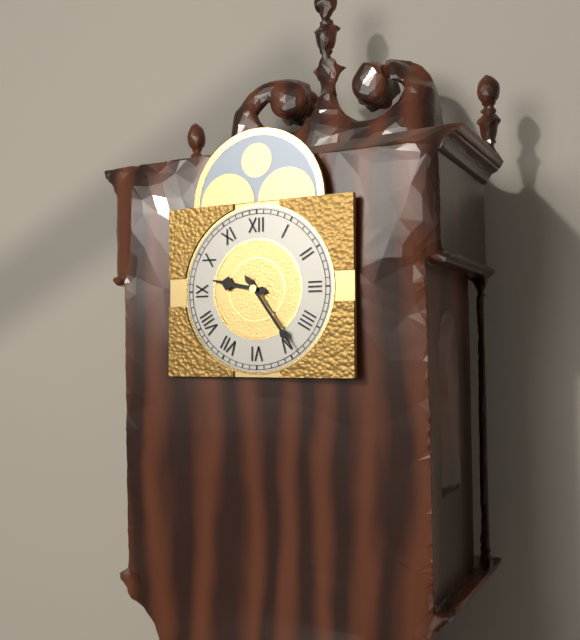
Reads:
{"hour": 9, "minute": 24}
